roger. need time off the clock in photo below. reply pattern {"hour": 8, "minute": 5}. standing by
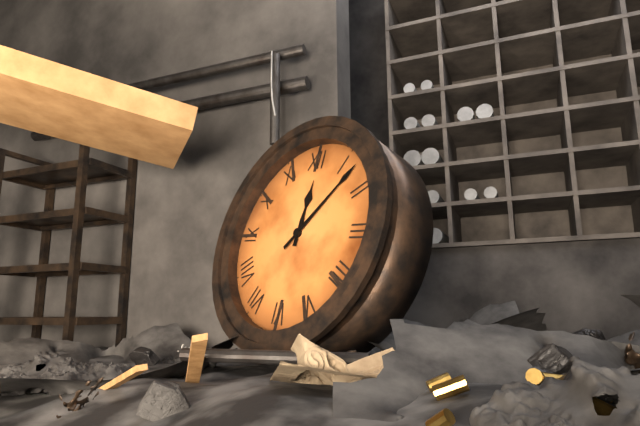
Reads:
{"hour": 12, "minute": 7}
